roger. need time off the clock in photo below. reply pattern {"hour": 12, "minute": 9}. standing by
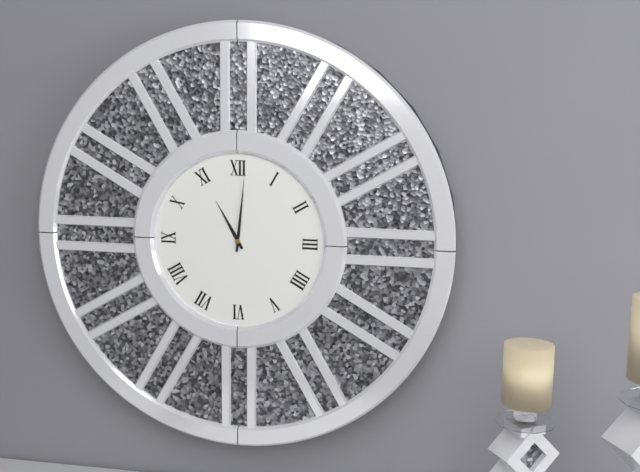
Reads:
{"hour": 11, "minute": 1}
